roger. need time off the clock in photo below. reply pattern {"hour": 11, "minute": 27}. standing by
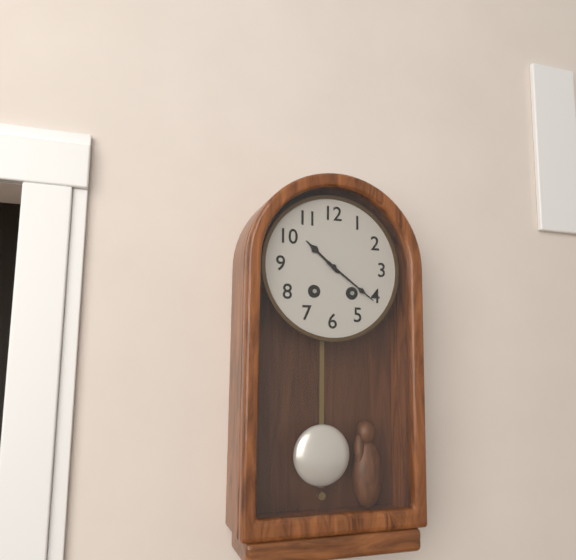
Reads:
{"hour": 10, "minute": 21}
